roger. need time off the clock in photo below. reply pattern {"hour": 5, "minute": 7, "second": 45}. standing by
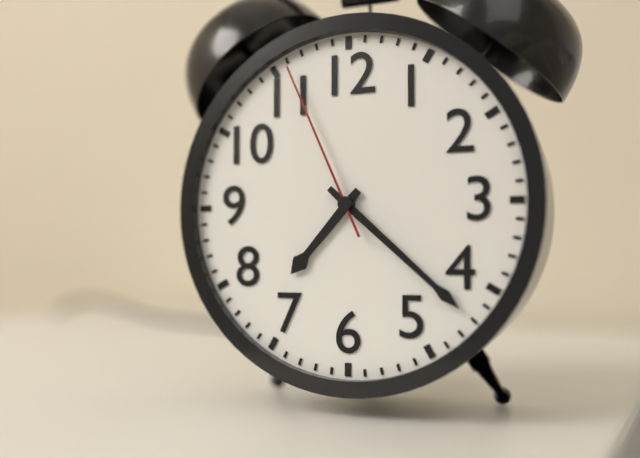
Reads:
{"hour": 7, "minute": 22, "second": 56}
